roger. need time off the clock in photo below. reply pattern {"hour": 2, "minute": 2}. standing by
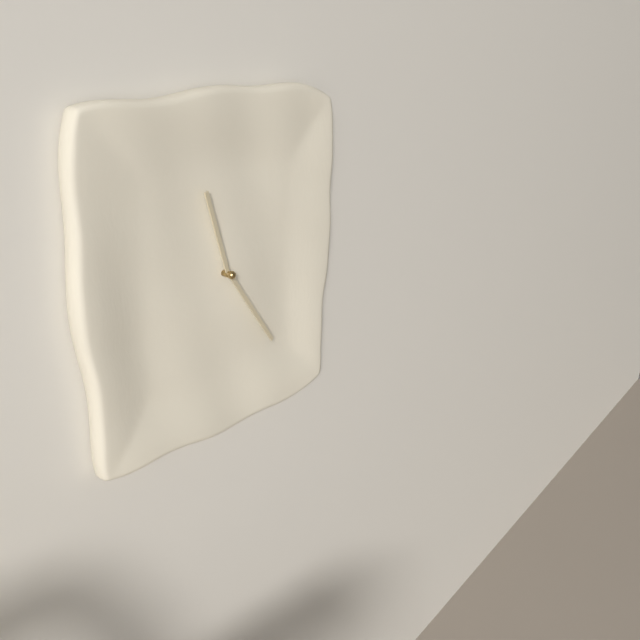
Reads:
{"hour": 11, "minute": 24}
